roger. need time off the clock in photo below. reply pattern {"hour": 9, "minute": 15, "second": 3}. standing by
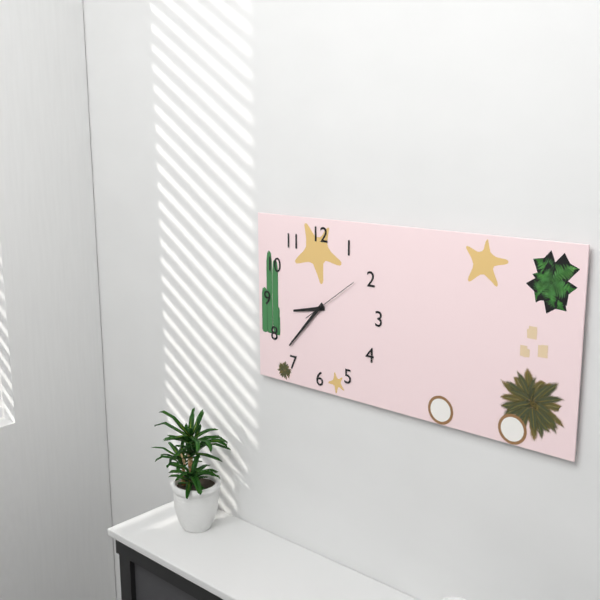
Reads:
{"hour": 8, "minute": 37, "second": 9}
